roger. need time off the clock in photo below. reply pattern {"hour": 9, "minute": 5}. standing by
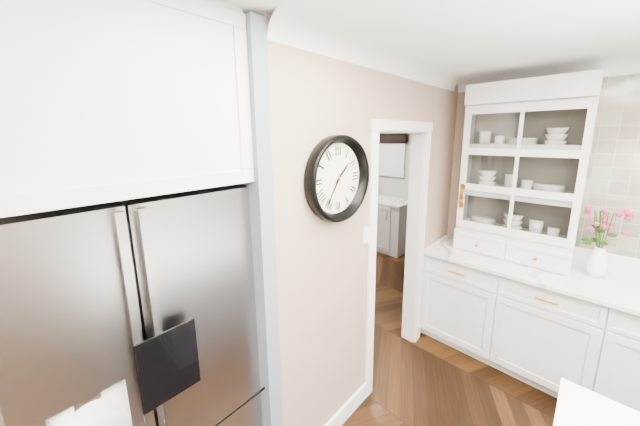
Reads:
{"hour": 1, "minute": 36}
